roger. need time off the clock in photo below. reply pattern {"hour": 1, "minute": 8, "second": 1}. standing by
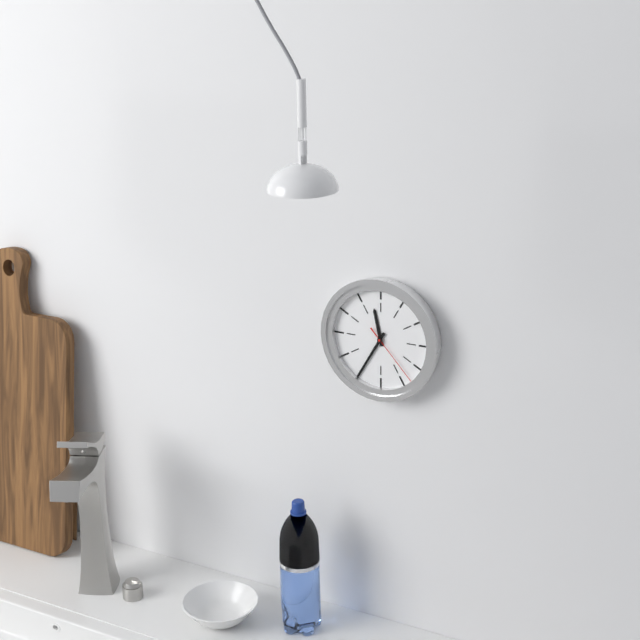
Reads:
{"hour": 11, "minute": 35, "second": 23}
